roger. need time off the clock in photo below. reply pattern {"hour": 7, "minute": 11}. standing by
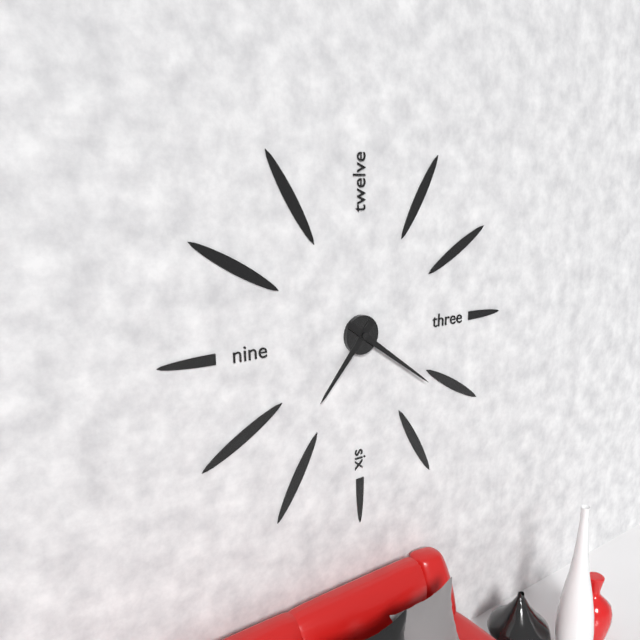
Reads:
{"hour": 7, "minute": 21}
